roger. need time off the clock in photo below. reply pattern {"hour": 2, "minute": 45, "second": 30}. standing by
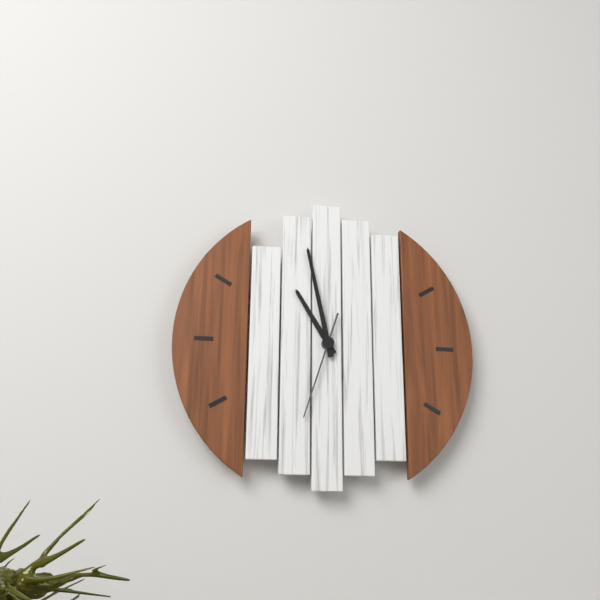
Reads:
{"hour": 10, "minute": 58, "second": 33}
